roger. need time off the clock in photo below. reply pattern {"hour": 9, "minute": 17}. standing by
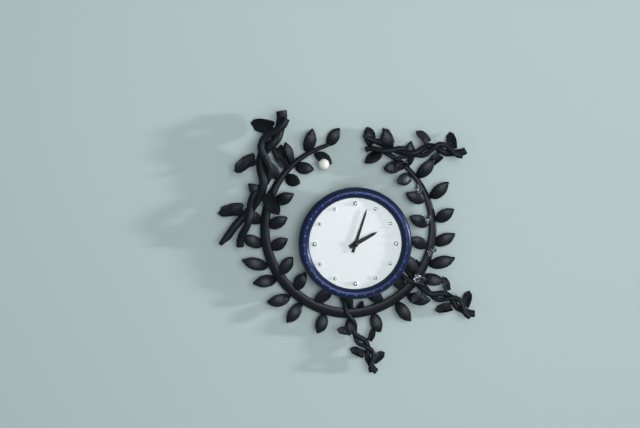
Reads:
{"hour": 2, "minute": 3}
